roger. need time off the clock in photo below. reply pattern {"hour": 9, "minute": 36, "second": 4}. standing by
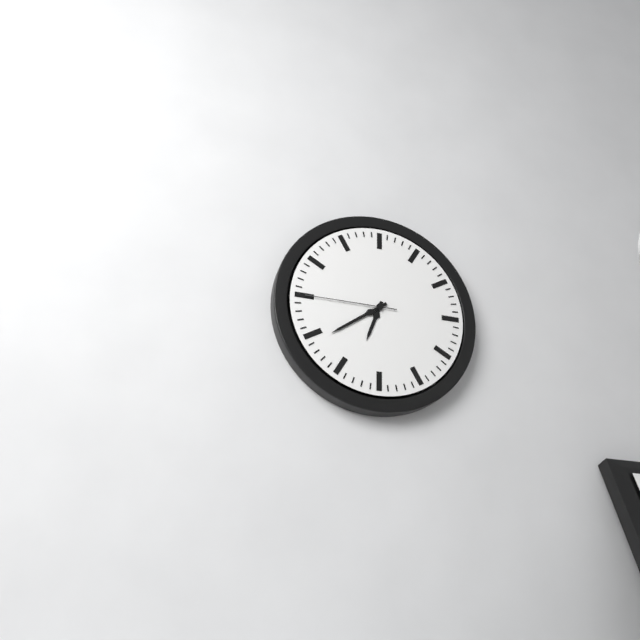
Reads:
{"hour": 6, "minute": 39, "second": 45}
